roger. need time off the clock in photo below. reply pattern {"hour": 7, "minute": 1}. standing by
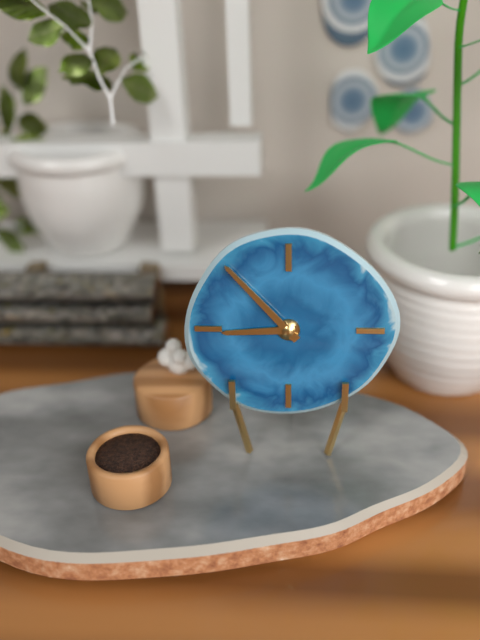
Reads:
{"hour": 8, "minute": 53}
